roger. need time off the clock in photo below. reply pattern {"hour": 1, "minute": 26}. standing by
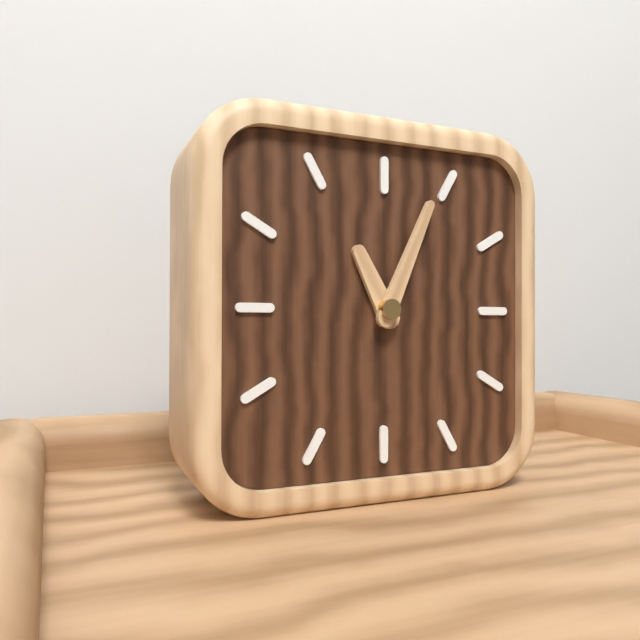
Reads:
{"hour": 11, "minute": 4}
